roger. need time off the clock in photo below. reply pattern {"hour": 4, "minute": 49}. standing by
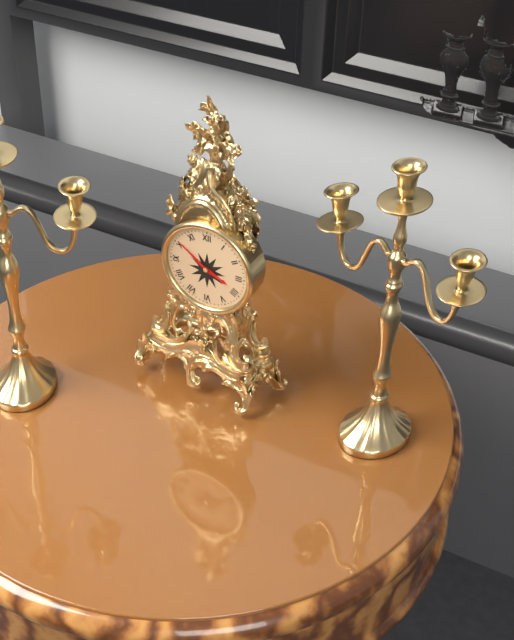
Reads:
{"hour": 3, "minute": 51}
